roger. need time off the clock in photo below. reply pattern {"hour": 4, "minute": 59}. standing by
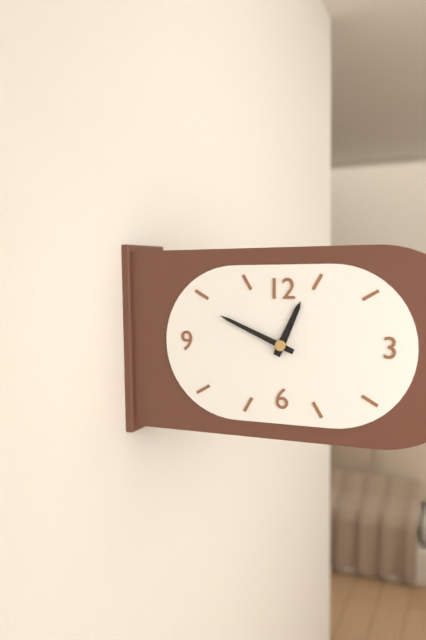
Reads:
{"hour": 12, "minute": 49}
